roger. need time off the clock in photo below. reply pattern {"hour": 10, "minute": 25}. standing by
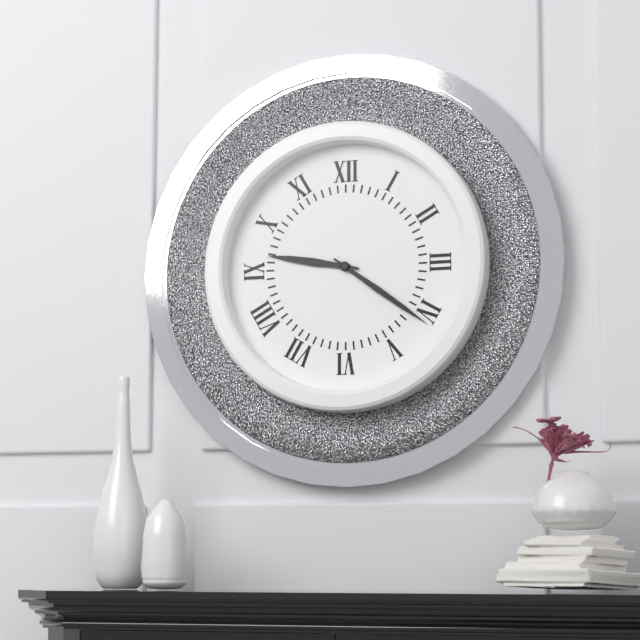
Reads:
{"hour": 9, "minute": 21}
